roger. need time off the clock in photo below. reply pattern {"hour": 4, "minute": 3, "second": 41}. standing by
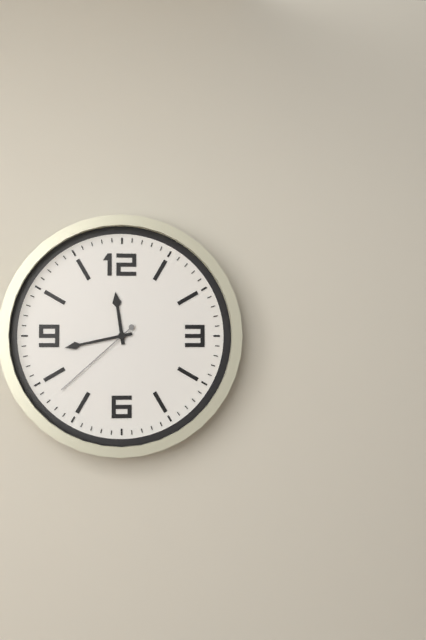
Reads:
{"hour": 11, "minute": 43, "second": 38}
